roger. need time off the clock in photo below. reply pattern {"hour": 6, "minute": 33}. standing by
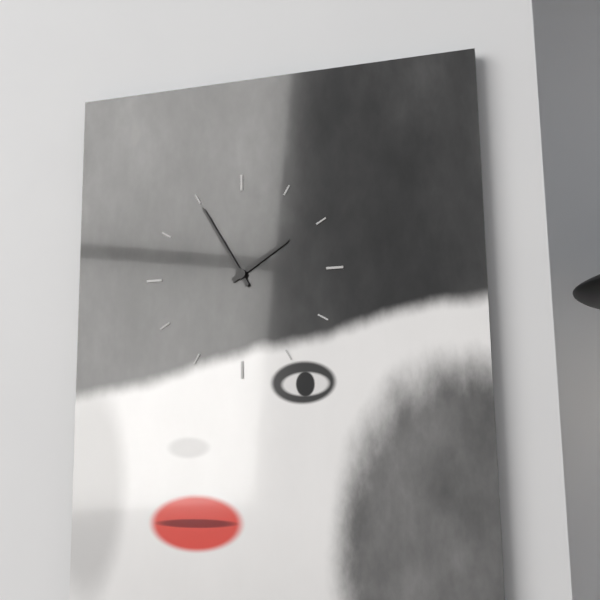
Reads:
{"hour": 1, "minute": 55}
